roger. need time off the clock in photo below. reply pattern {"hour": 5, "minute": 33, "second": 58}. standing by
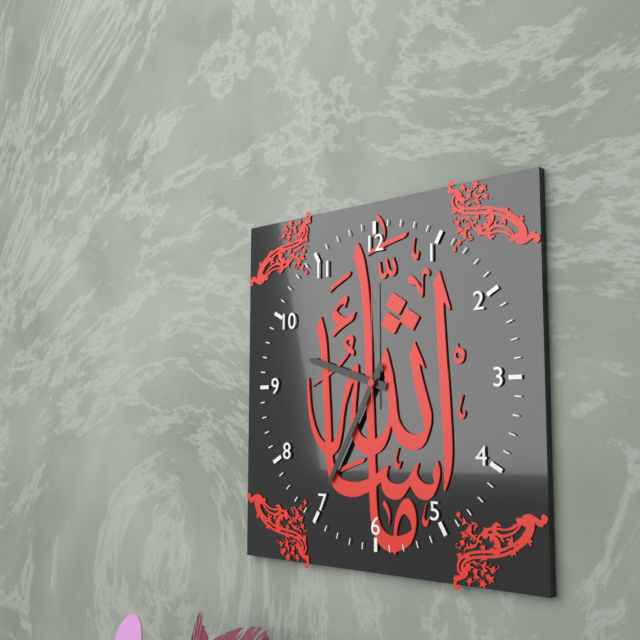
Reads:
{"hour": 9, "minute": 35, "second": 0}
